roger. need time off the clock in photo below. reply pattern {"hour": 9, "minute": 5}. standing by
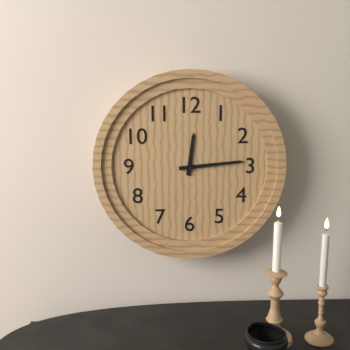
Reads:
{"hour": 12, "minute": 14}
